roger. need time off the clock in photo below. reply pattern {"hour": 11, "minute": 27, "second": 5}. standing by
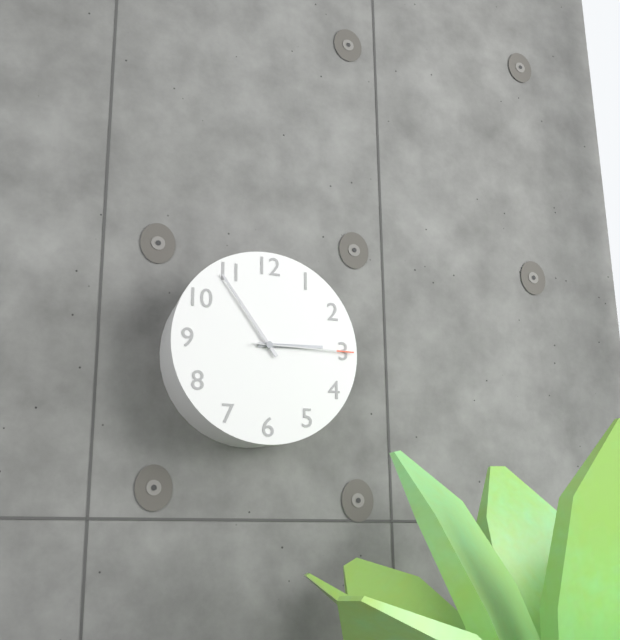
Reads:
{"hour": 2, "minute": 54, "second": 15}
